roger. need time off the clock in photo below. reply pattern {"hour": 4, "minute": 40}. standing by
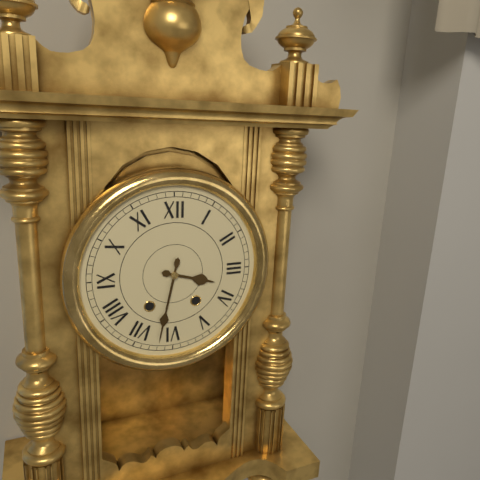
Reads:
{"hour": 3, "minute": 32}
